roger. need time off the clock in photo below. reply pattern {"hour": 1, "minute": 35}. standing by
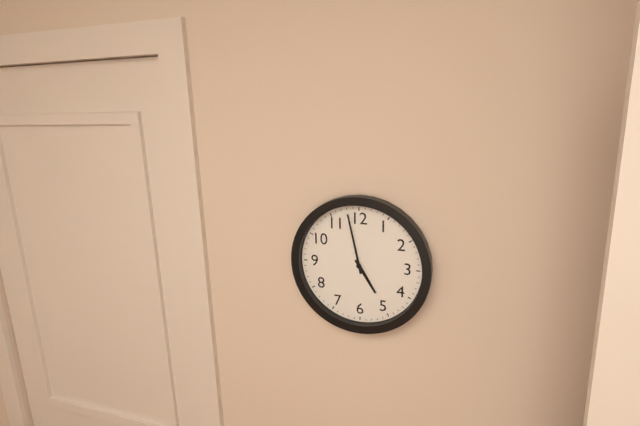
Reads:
{"hour": 4, "minute": 58}
